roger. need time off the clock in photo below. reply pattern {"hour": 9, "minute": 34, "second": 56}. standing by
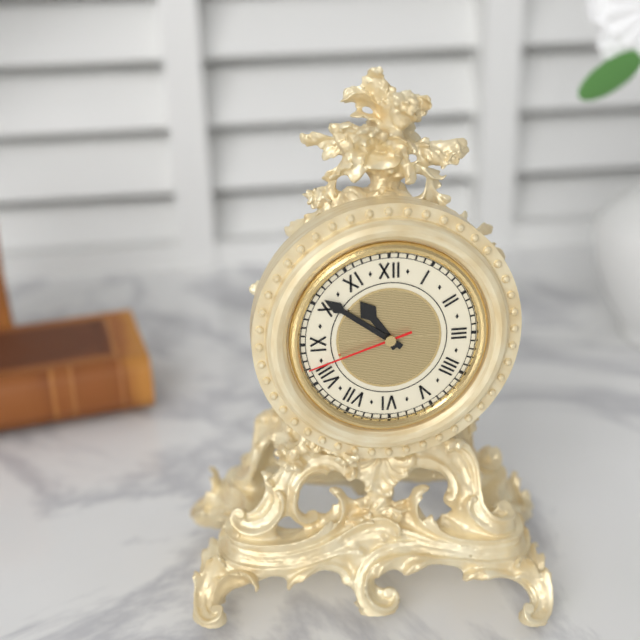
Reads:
{"hour": 10, "minute": 51, "second": 42}
